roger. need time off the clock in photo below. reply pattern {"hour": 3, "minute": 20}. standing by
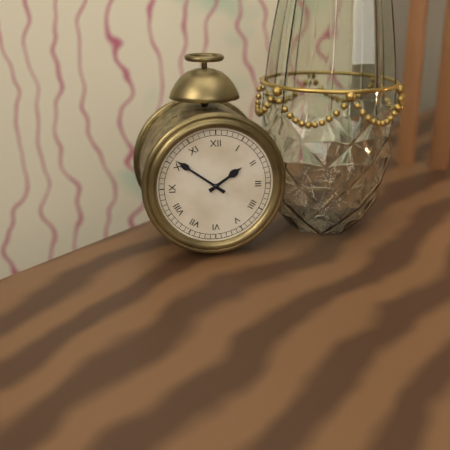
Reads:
{"hour": 1, "minute": 51}
